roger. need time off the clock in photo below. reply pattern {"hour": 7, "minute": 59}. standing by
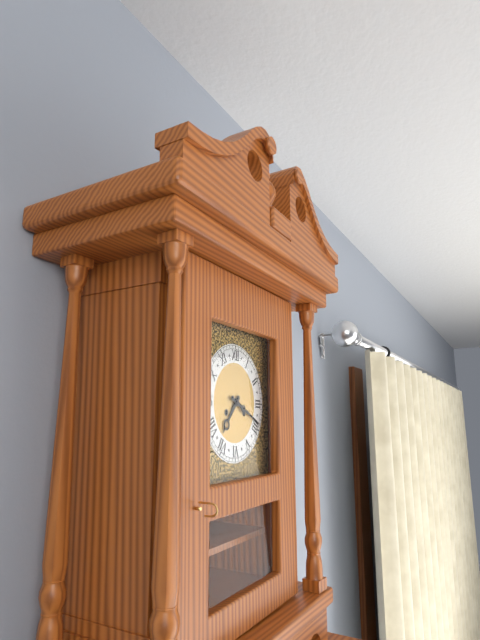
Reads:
{"hour": 7, "minute": 19}
